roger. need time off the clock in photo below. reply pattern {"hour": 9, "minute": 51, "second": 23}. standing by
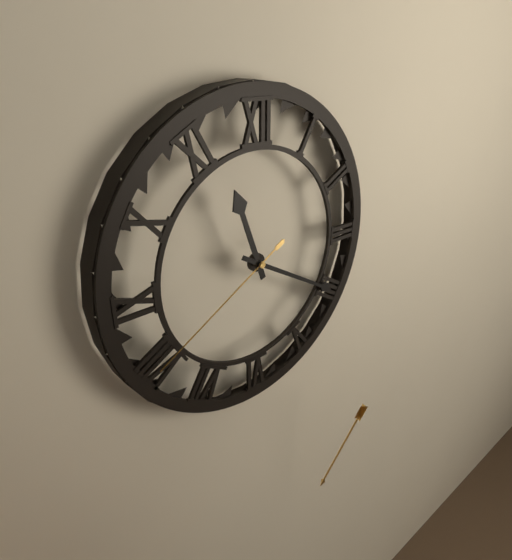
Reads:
{"hour": 11, "minute": 20, "second": 40}
